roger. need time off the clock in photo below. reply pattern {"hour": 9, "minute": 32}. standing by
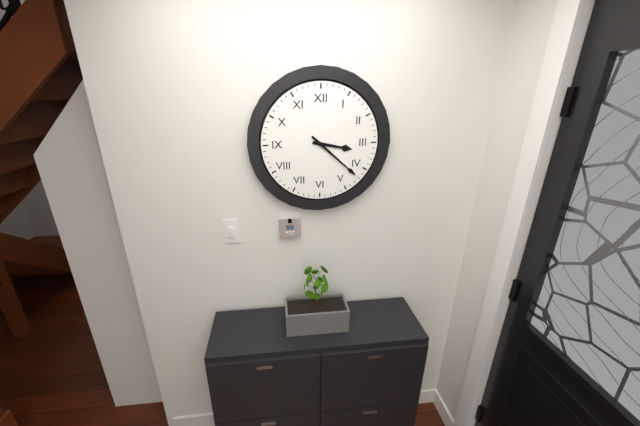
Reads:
{"hour": 3, "minute": 22}
